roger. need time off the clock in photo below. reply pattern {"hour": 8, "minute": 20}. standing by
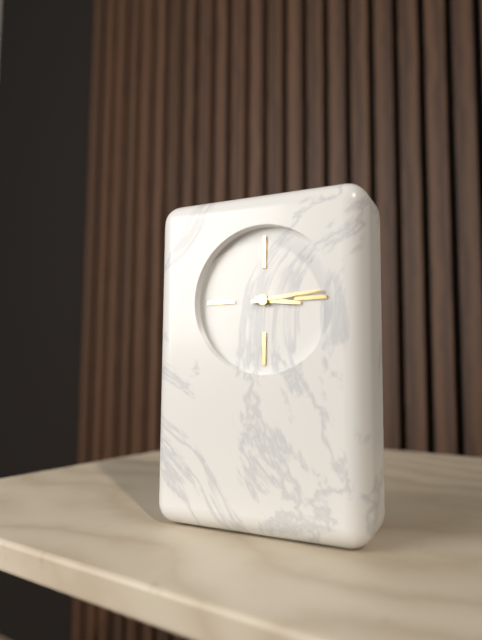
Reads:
{"hour": 3, "minute": 14}
